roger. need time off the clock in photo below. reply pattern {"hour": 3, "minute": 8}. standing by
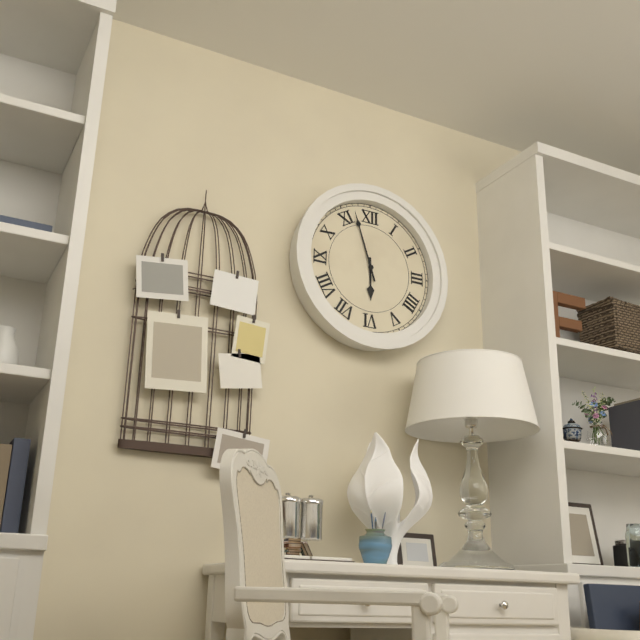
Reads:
{"hour": 5, "minute": 57}
